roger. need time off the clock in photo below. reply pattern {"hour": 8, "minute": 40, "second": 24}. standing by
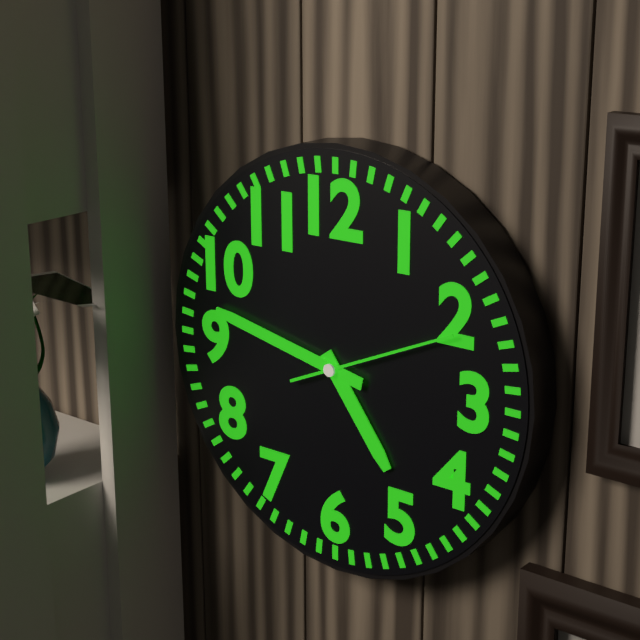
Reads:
{"hour": 4, "minute": 47, "second": 11}
